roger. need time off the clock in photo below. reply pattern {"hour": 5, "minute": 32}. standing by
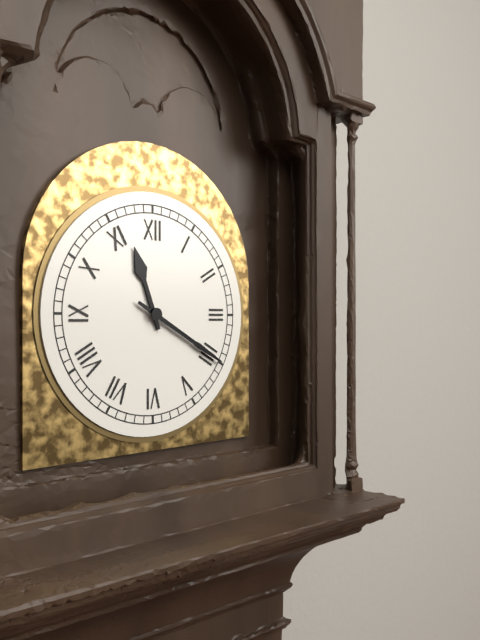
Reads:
{"hour": 11, "minute": 20}
